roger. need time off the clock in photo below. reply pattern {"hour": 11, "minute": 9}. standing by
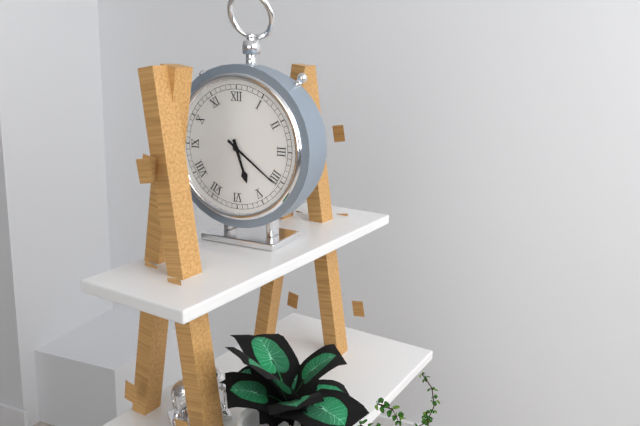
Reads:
{"hour": 5, "minute": 21}
